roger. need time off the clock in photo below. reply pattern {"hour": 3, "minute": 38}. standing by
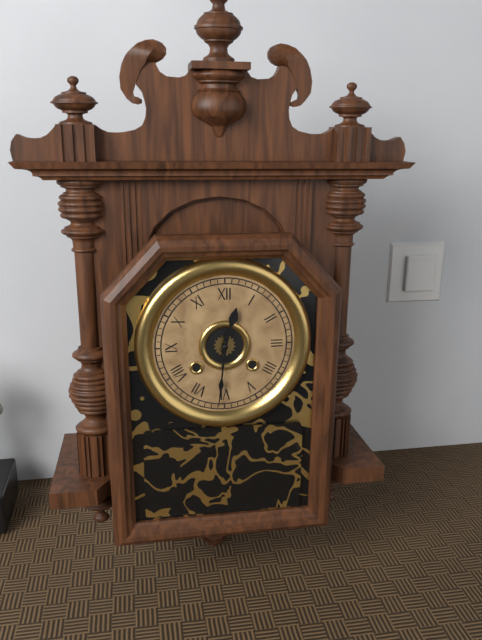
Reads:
{"hour": 12, "minute": 31}
